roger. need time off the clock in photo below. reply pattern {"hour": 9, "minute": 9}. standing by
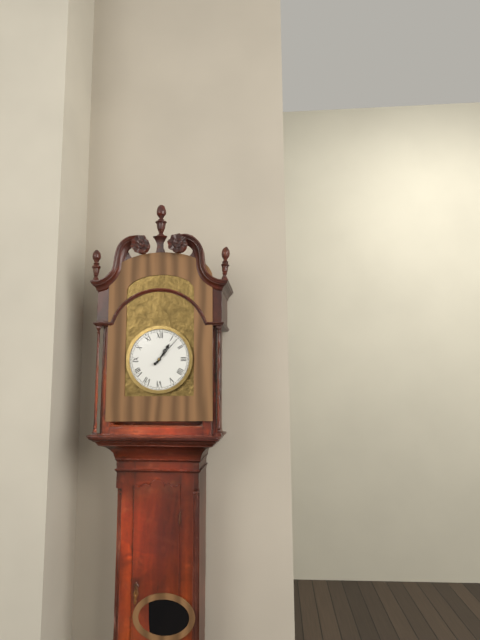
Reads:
{"hour": 1, "minute": 7}
